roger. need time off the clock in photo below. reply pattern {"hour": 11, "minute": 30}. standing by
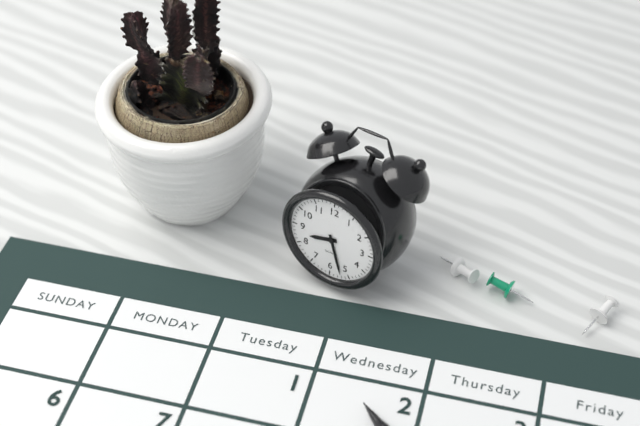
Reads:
{"hour": 8, "minute": 27}
